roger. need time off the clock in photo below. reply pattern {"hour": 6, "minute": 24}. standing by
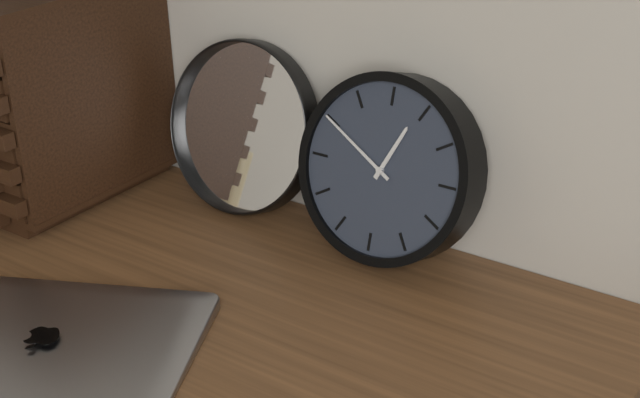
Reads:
{"hour": 12, "minute": 50}
